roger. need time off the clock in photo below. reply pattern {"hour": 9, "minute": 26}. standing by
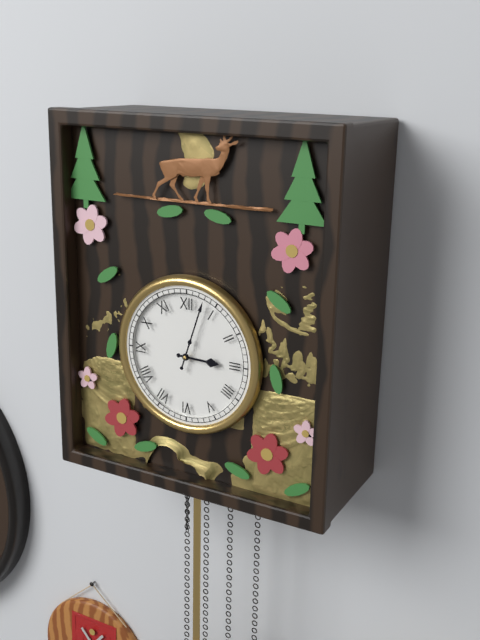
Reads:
{"hour": 3, "minute": 3}
